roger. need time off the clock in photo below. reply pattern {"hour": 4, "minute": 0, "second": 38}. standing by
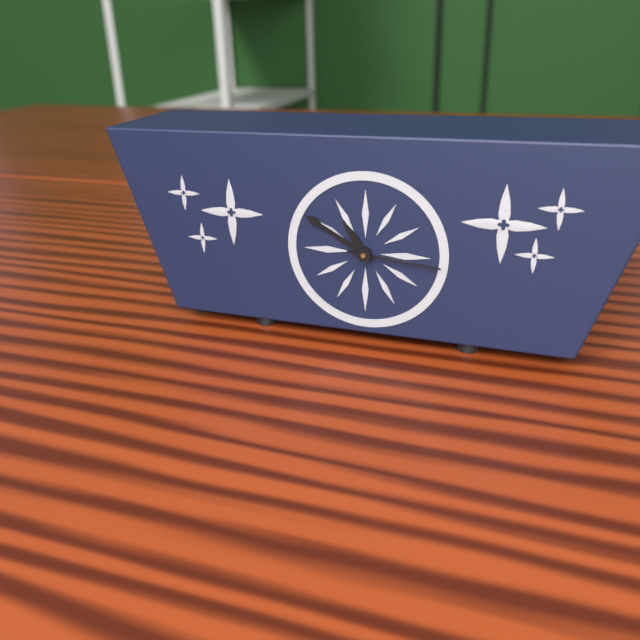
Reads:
{"hour": 10, "minute": 50, "second": 16}
